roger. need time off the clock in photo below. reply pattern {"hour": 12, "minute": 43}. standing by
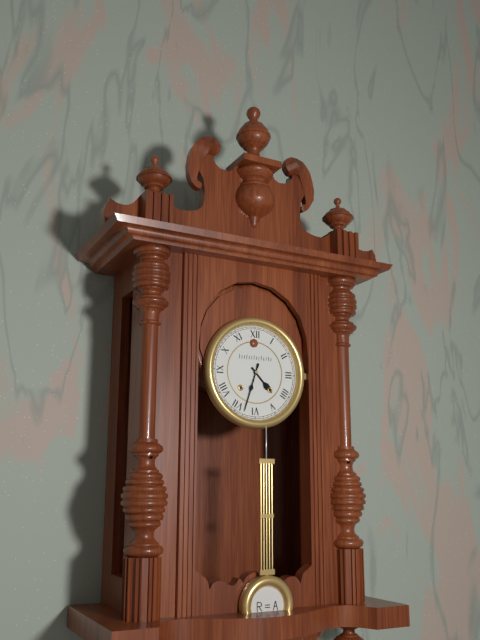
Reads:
{"hour": 4, "minute": 33}
